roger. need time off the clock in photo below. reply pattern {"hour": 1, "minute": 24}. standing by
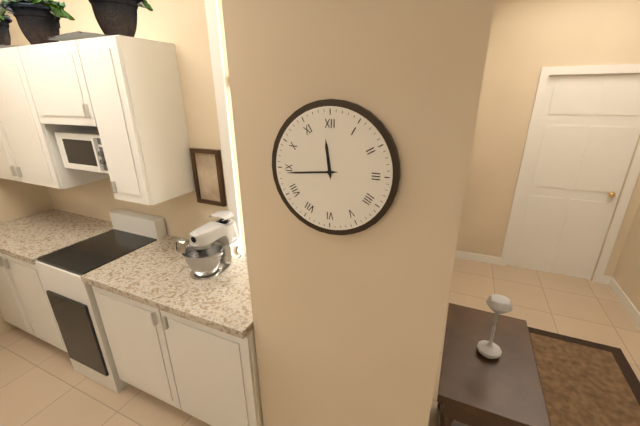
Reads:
{"hour": 11, "minute": 44}
